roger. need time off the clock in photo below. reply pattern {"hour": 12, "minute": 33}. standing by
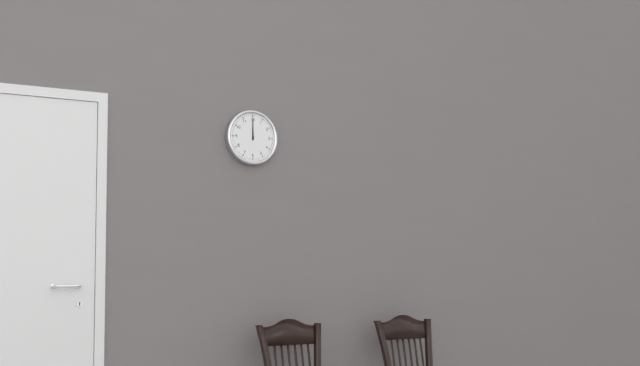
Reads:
{"hour": 12, "minute": 0}
